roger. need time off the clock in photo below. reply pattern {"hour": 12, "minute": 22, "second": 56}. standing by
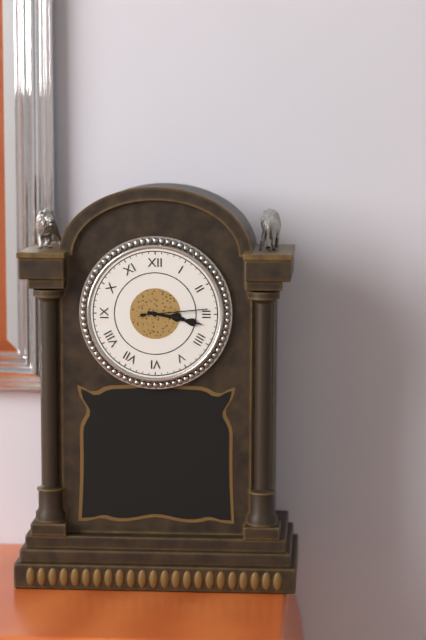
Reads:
{"hour": 3, "minute": 17, "second": 14}
